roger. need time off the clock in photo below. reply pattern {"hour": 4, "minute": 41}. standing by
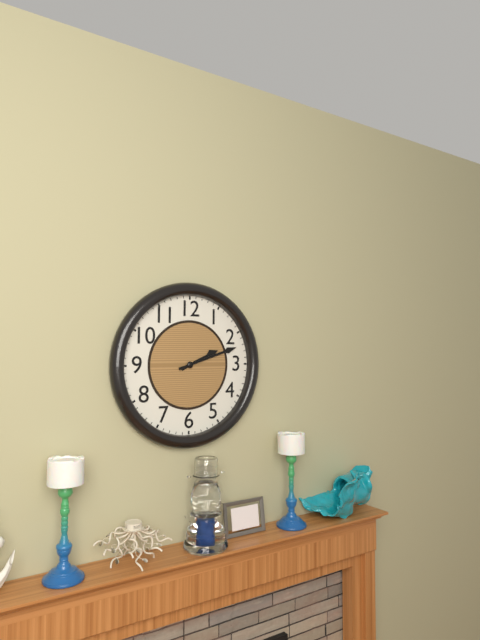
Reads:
{"hour": 2, "minute": 12}
